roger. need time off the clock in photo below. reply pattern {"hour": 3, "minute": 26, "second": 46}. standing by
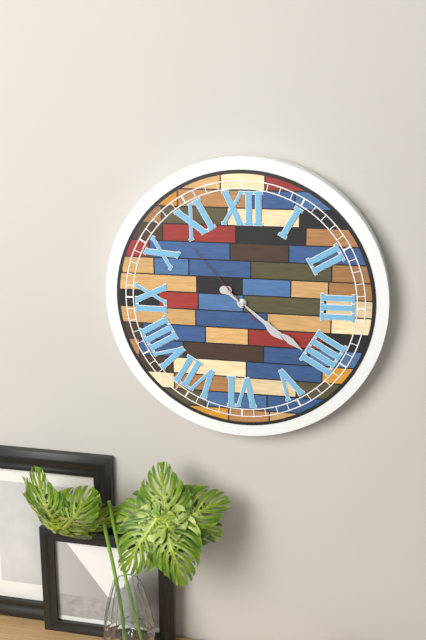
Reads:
{"hour": 4, "minute": 21, "second": 53}
